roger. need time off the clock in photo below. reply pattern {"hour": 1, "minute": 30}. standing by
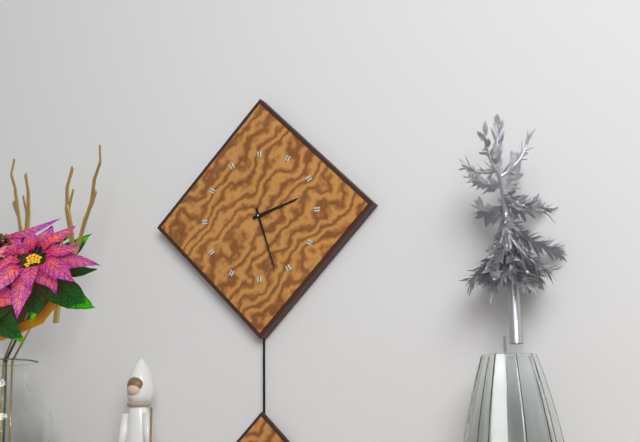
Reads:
{"hour": 2, "minute": 27}
